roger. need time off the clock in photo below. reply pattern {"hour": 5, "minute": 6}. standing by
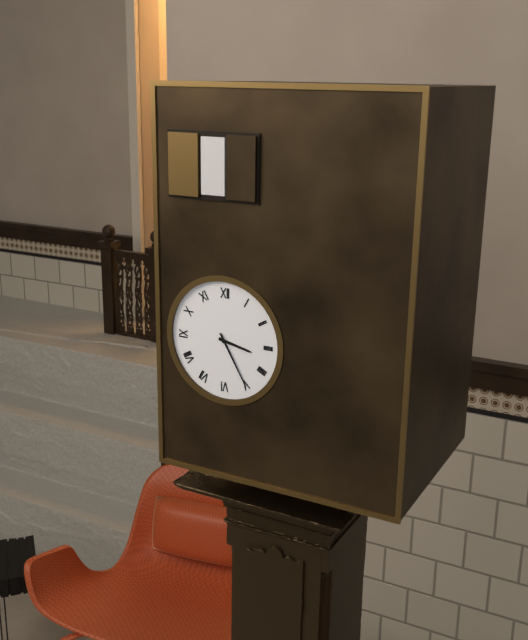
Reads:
{"hour": 3, "minute": 25}
